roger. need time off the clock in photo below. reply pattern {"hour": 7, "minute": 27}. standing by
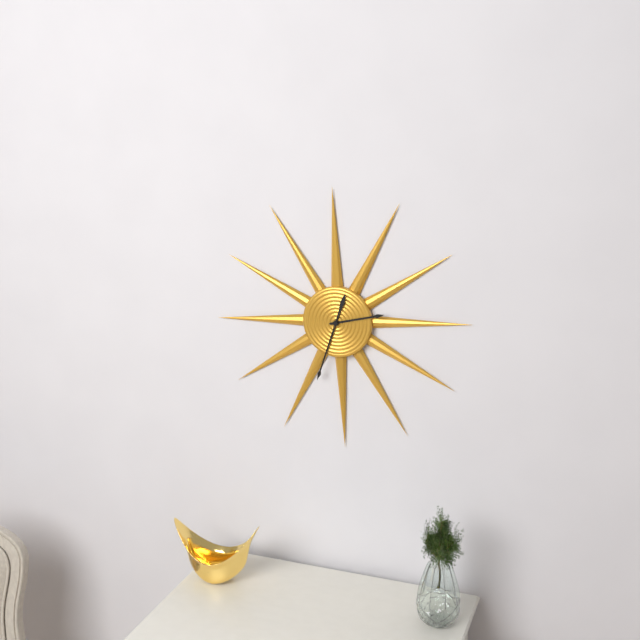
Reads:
{"hour": 2, "minute": 33}
